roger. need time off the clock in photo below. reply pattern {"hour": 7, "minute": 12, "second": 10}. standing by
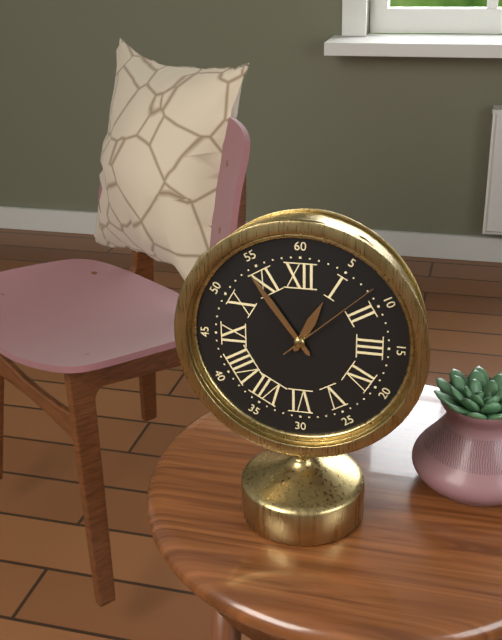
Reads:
{"hour": 12, "minute": 54, "second": 8}
